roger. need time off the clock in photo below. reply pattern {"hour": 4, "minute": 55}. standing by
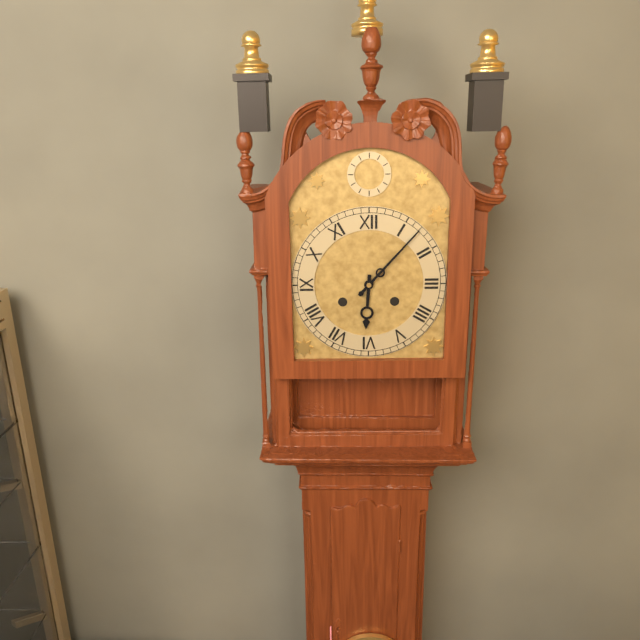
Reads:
{"hour": 6, "minute": 7}
